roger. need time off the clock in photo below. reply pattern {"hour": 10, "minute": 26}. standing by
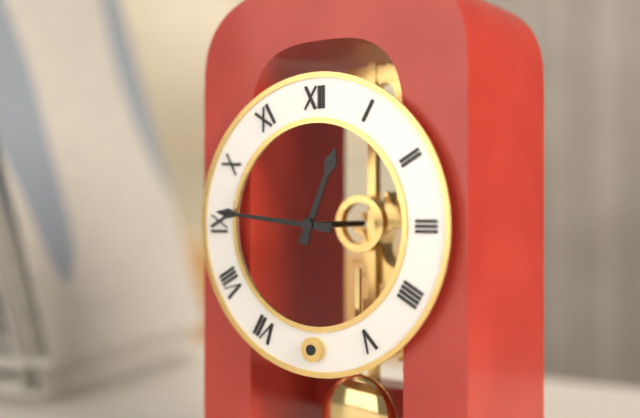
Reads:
{"hour": 12, "minute": 46}
